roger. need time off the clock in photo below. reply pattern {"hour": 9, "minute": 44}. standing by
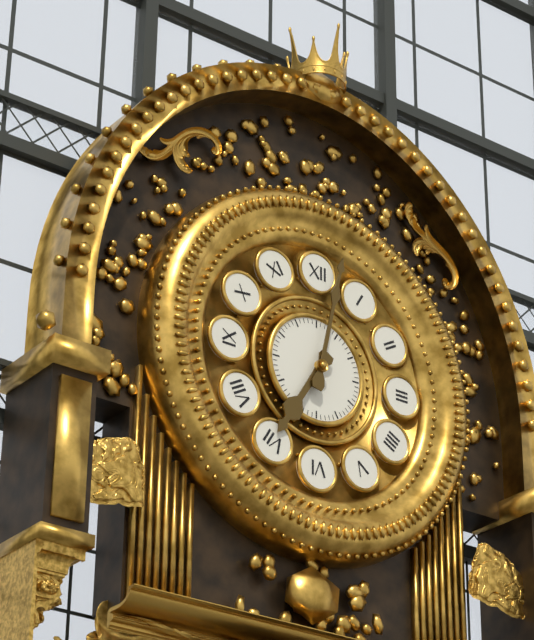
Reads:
{"hour": 7, "minute": 2}
